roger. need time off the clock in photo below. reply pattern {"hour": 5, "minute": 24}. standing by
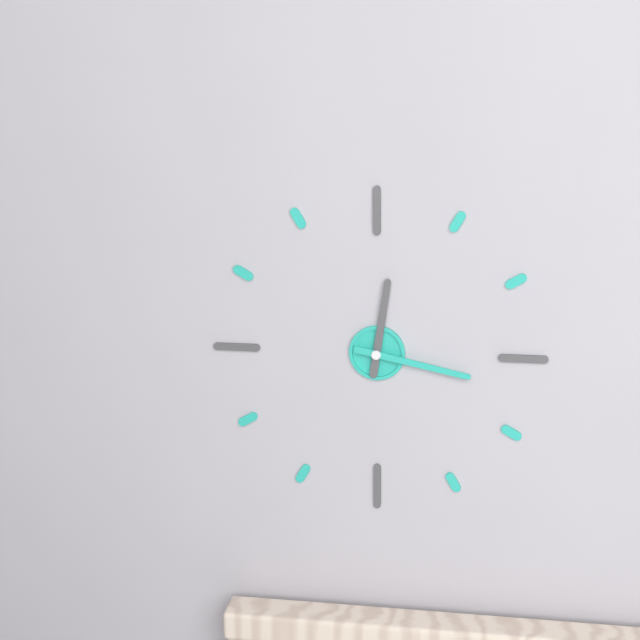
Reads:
{"hour": 12, "minute": 17}
